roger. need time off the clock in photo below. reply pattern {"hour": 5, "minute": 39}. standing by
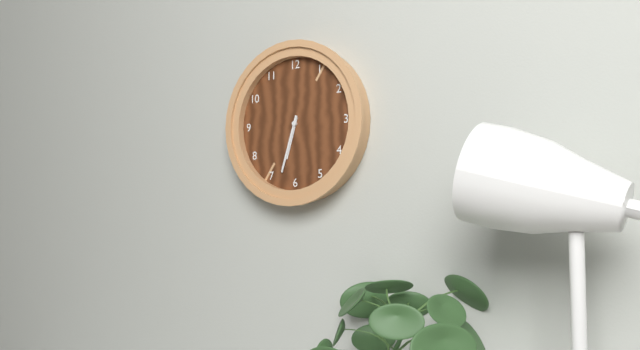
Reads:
{"hour": 6, "minute": 33}
